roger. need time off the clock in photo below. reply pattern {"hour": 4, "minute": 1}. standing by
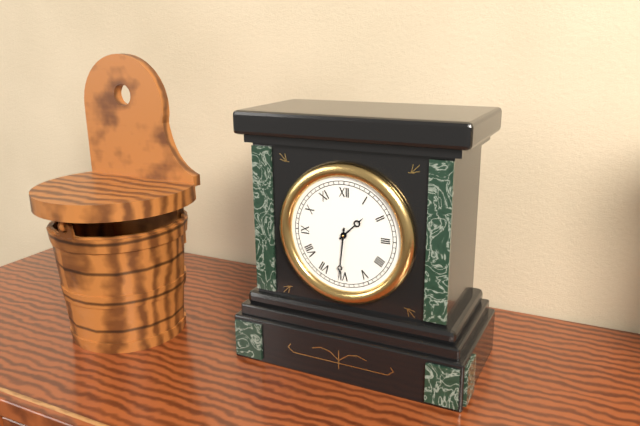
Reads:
{"hour": 1, "minute": 31}
